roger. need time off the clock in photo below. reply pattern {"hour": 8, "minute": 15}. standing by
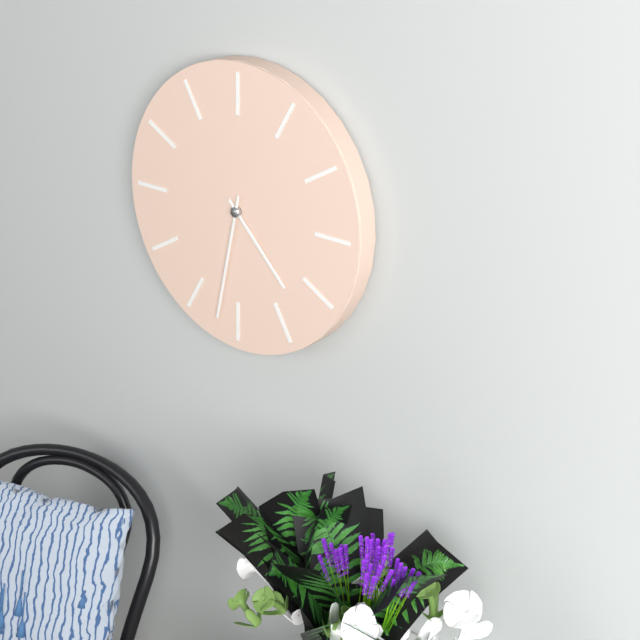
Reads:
{"hour": 4, "minute": 32}
